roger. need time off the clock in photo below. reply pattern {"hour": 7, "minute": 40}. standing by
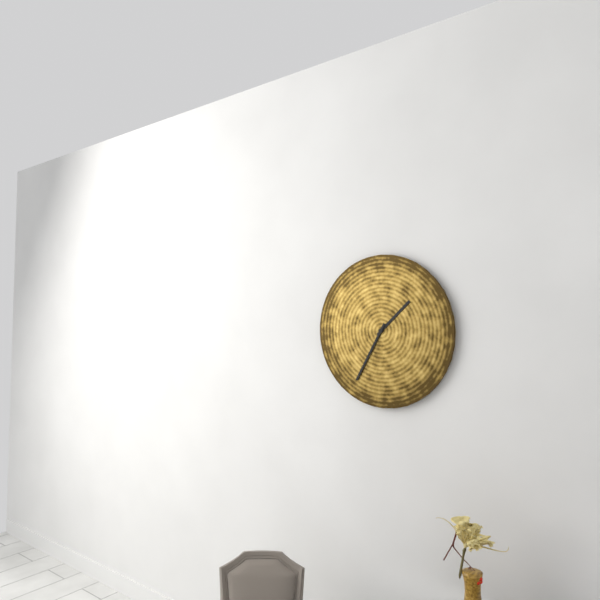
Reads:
{"hour": 1, "minute": 35}
